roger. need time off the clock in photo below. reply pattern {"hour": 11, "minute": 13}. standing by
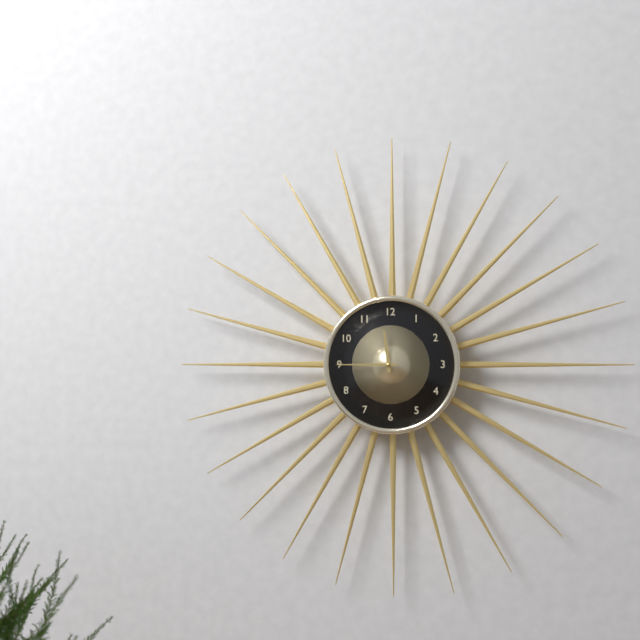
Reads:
{"hour": 11, "minute": 45}
